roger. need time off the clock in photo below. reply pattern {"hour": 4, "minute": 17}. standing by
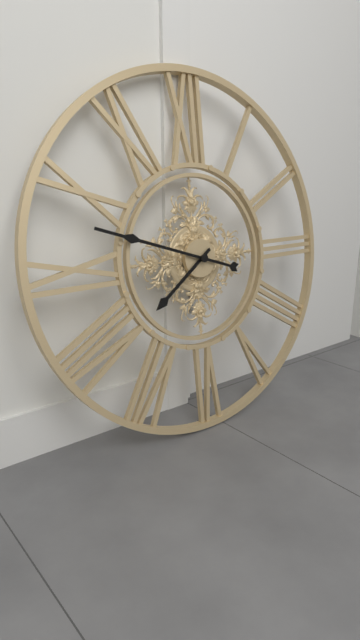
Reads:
{"hour": 7, "minute": 48}
